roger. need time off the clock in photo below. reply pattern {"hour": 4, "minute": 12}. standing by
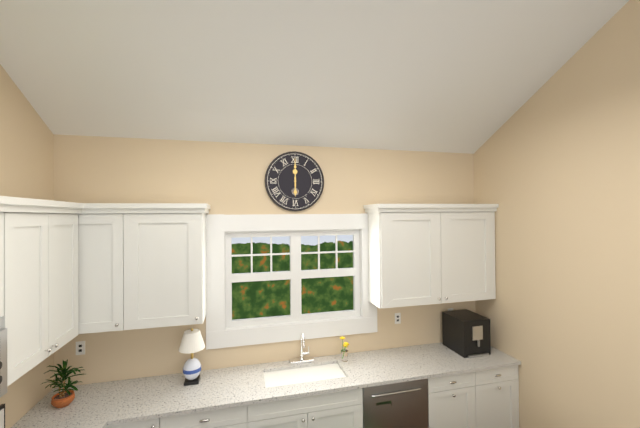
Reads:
{"hour": 6, "minute": 0}
